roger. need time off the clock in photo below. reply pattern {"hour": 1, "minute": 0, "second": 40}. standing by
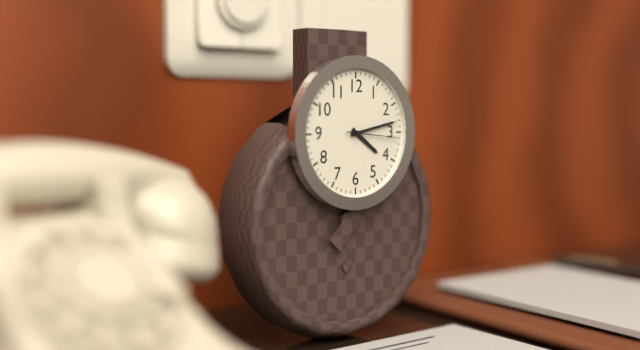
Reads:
{"hour": 4, "minute": 13, "second": 16}
